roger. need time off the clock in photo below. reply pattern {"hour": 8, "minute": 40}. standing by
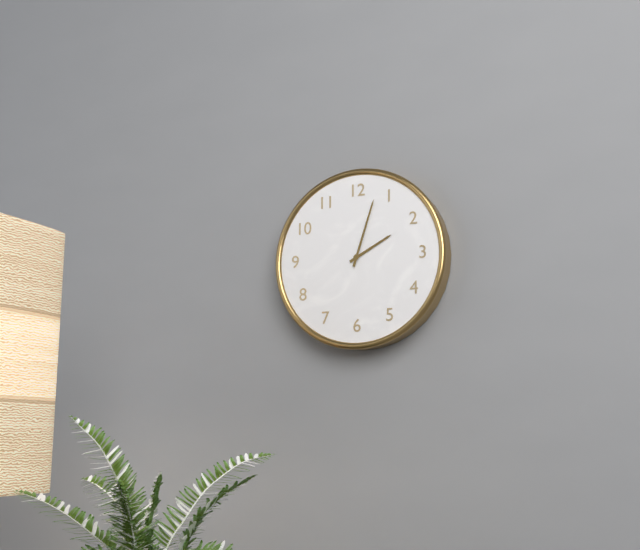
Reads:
{"hour": 2, "minute": 3}
